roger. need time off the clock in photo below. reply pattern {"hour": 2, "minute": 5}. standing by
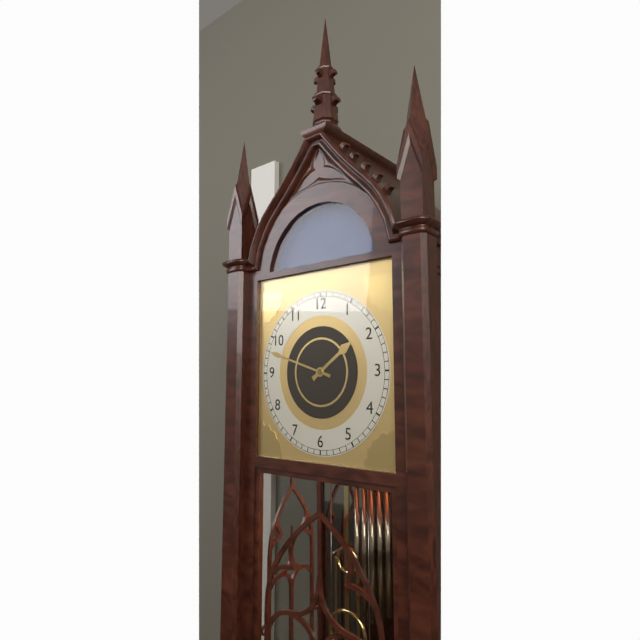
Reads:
{"hour": 1, "minute": 48}
